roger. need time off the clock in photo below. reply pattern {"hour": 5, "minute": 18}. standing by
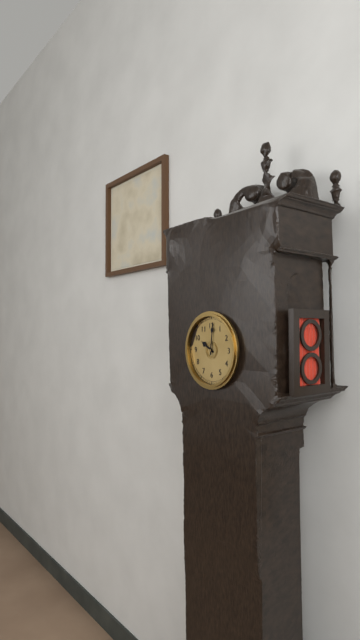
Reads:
{"hour": 10, "minute": 1}
